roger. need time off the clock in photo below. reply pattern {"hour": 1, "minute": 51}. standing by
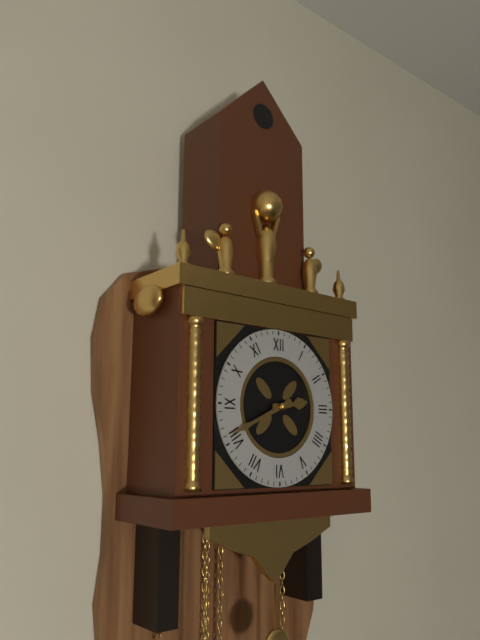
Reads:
{"hour": 2, "minute": 41}
